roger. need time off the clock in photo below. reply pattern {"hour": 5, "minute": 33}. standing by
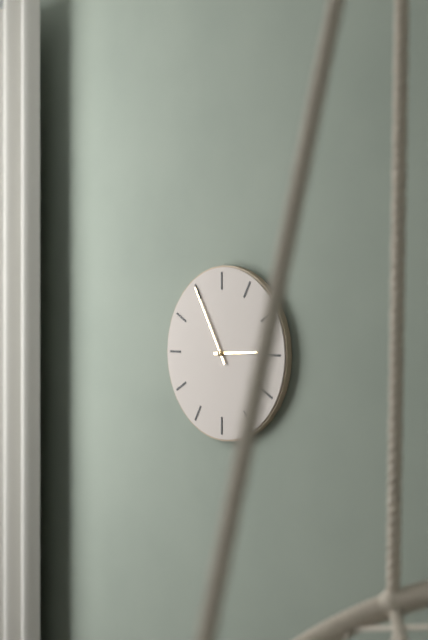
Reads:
{"hour": 2, "minute": 55}
